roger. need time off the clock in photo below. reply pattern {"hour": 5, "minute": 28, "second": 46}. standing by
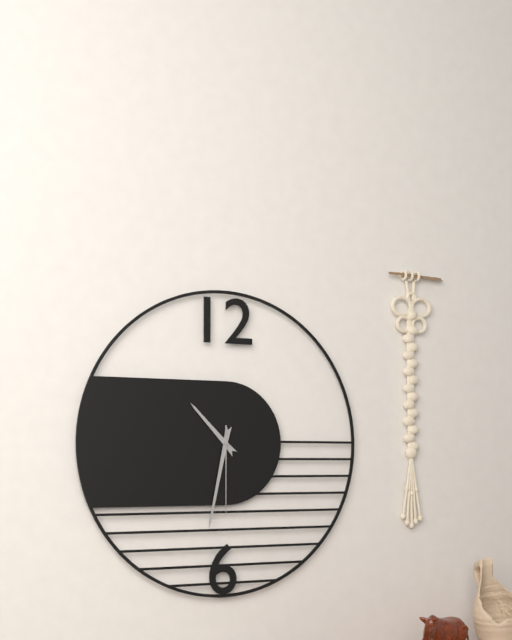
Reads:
{"hour": 10, "minute": 32, "second": 30}
